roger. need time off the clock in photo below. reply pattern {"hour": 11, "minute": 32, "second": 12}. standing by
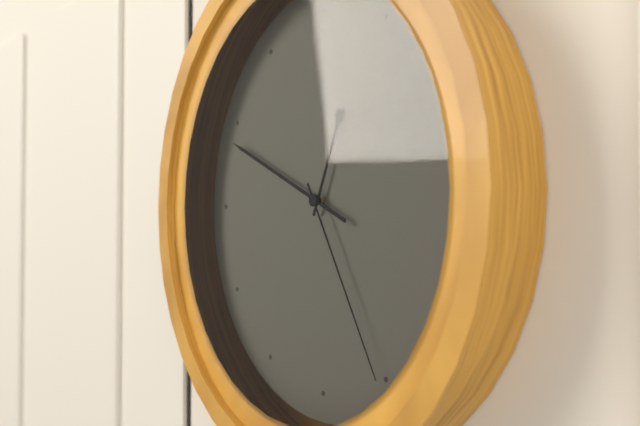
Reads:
{"hour": 12, "minute": 49, "second": 25}
